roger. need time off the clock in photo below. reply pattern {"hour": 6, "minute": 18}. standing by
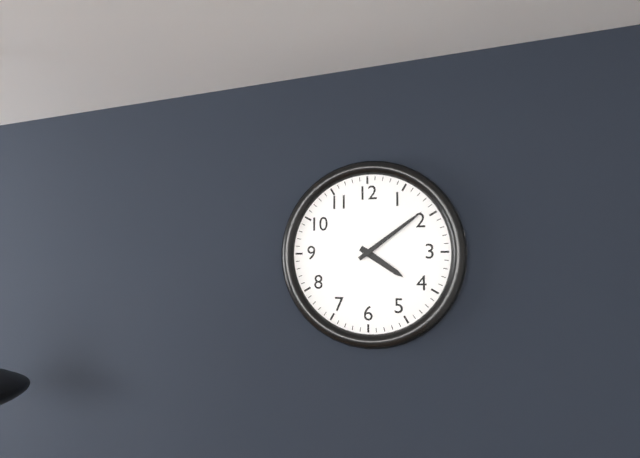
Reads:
{"hour": 4, "minute": 9}
